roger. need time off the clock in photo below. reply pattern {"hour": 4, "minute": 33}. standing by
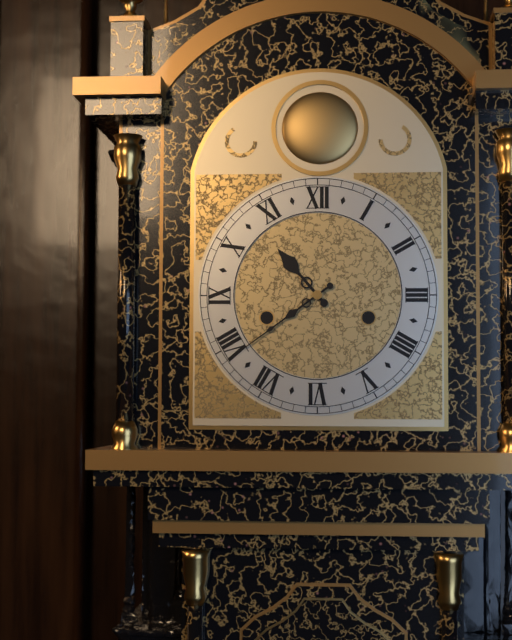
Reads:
{"hour": 10, "minute": 39}
